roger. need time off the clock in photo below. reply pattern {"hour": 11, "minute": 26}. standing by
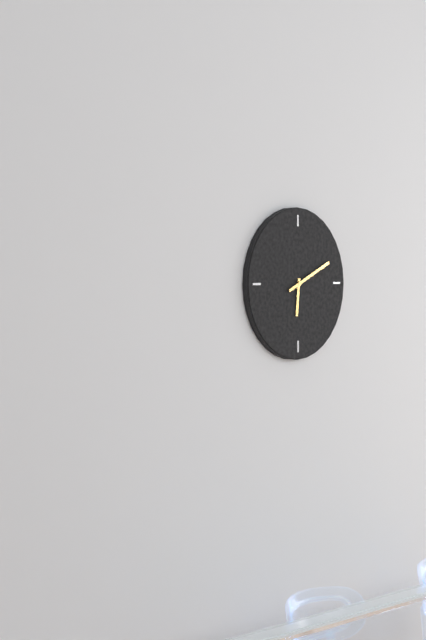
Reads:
{"hour": 6, "minute": 11}
